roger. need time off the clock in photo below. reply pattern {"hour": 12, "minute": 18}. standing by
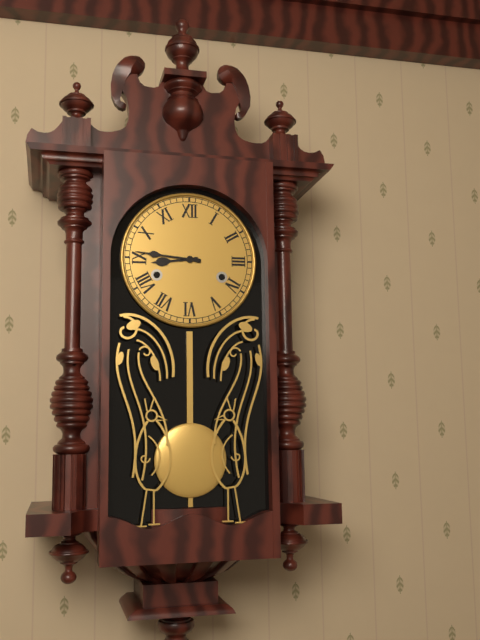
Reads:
{"hour": 8, "minute": 46}
